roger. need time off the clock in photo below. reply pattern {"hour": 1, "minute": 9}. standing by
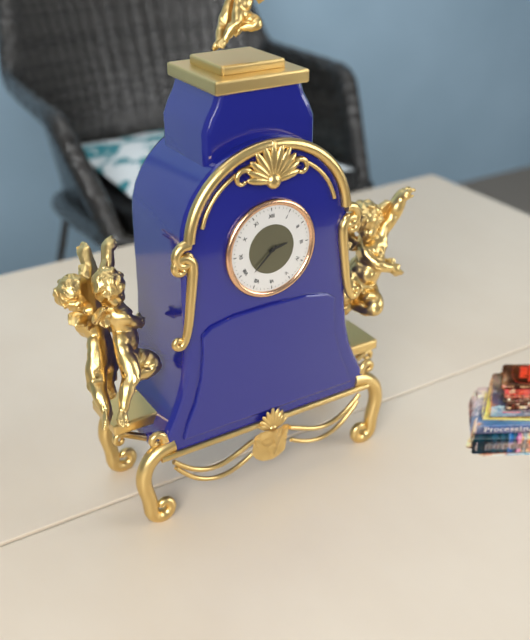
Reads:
{"hour": 2, "minute": 38}
